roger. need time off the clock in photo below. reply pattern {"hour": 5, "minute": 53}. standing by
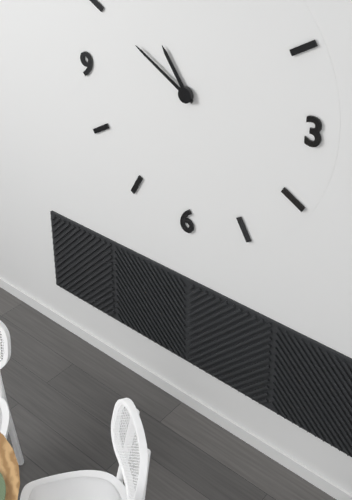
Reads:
{"hour": 10, "minute": 50}
